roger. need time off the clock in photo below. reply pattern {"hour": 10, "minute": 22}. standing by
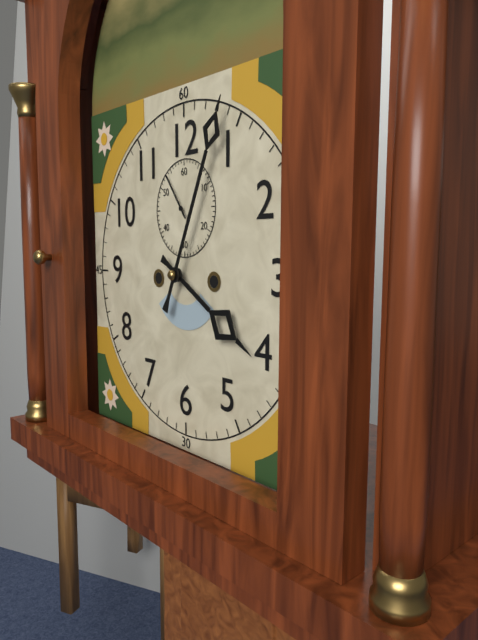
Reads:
{"hour": 4, "minute": 4}
